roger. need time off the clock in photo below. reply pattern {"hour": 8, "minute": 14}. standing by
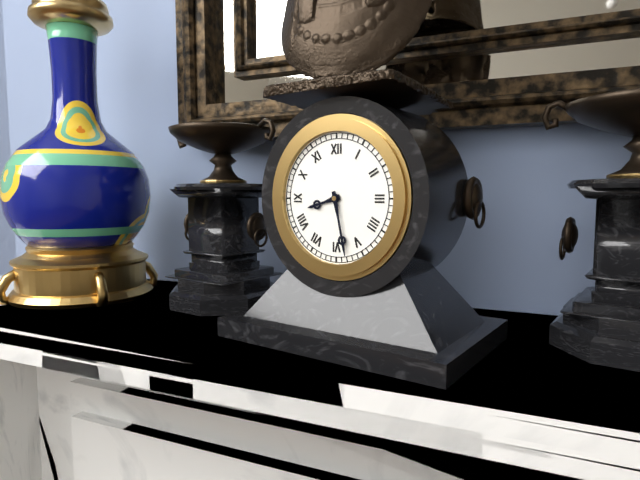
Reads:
{"hour": 8, "minute": 28}
